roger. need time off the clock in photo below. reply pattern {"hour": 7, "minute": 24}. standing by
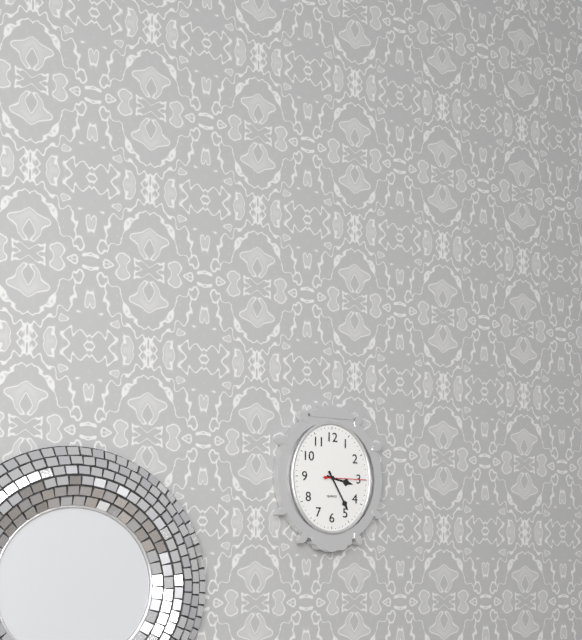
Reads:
{"hour": 3, "minute": 25}
